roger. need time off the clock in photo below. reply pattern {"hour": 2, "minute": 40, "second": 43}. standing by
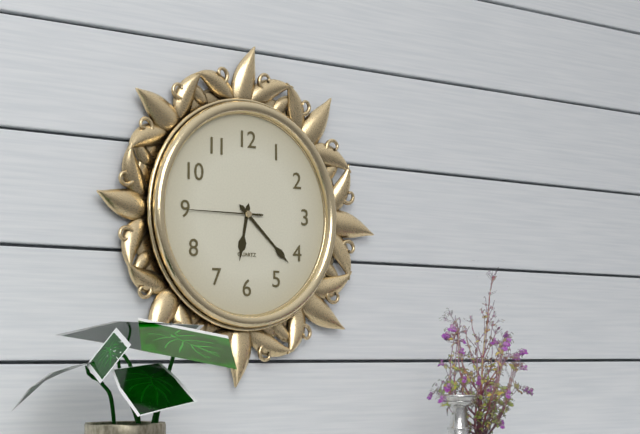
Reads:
{"hour": 6, "minute": 22, "second": 45}
